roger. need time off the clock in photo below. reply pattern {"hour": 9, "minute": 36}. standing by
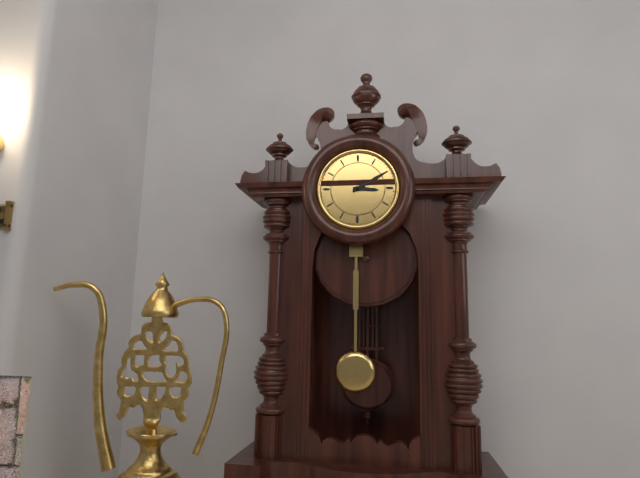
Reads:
{"hour": 3, "minute": 10}
